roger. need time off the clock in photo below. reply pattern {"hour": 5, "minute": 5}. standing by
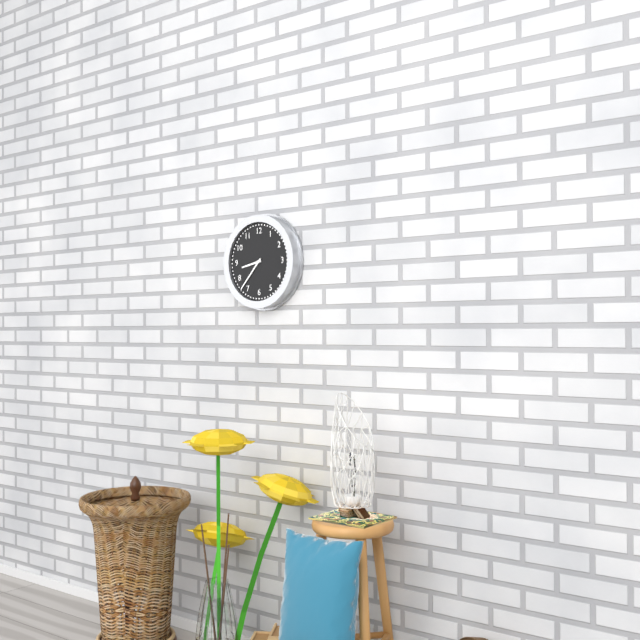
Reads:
{"hour": 8, "minute": 37}
